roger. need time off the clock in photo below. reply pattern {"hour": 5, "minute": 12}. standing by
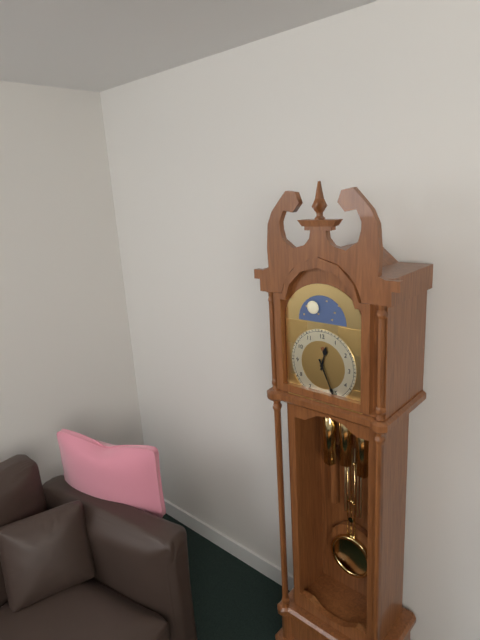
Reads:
{"hour": 12, "minute": 26}
